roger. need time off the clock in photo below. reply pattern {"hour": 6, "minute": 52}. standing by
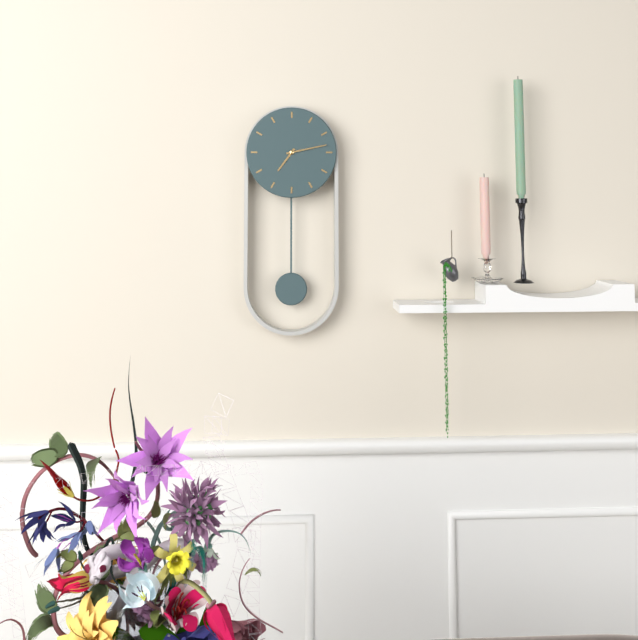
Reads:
{"hour": 7, "minute": 13}
